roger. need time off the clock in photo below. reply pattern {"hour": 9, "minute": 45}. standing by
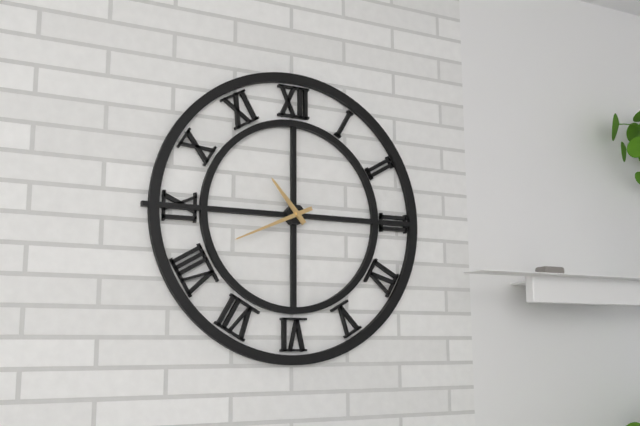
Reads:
{"hour": 10, "minute": 41}
